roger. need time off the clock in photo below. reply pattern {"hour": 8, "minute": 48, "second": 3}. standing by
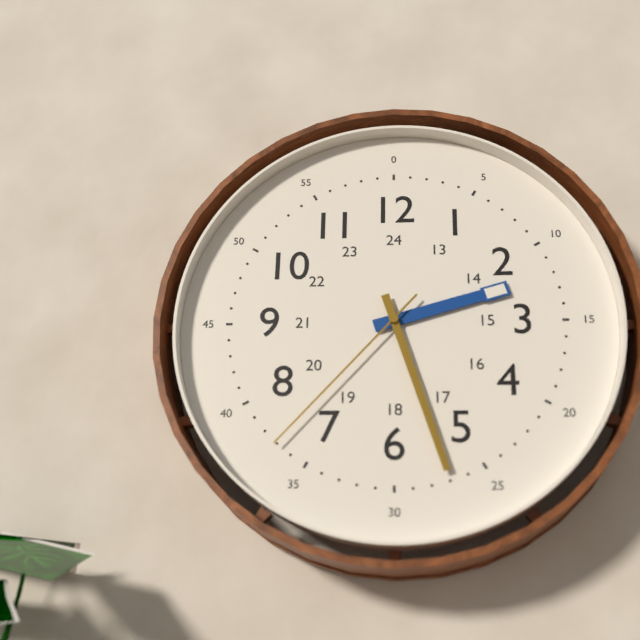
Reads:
{"hour": 2, "minute": 27, "second": 37}
